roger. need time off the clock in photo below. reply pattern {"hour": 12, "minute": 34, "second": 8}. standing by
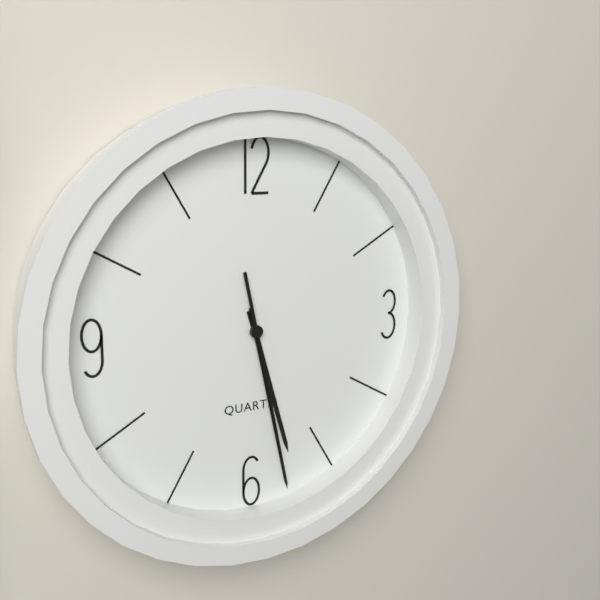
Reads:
{"hour": 5, "minute": 28, "second": 28}
